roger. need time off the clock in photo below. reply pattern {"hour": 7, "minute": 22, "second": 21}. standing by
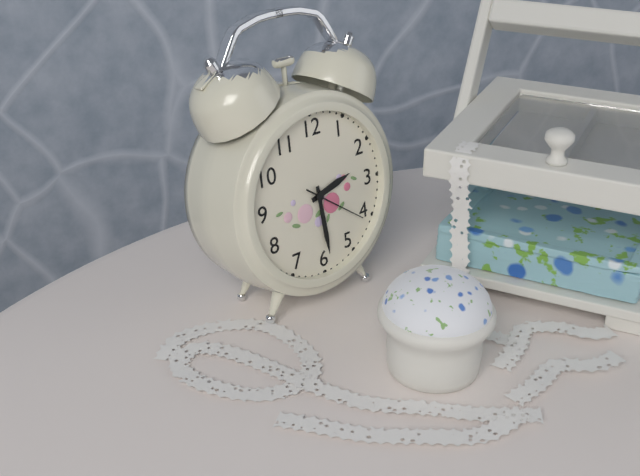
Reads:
{"hour": 2, "minute": 29, "second": 21}
